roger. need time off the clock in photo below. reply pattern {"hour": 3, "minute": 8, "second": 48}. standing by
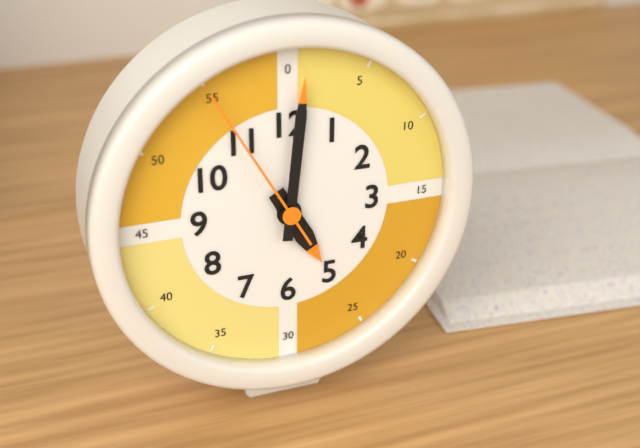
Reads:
{"hour": 5, "minute": 1, "second": 55}
